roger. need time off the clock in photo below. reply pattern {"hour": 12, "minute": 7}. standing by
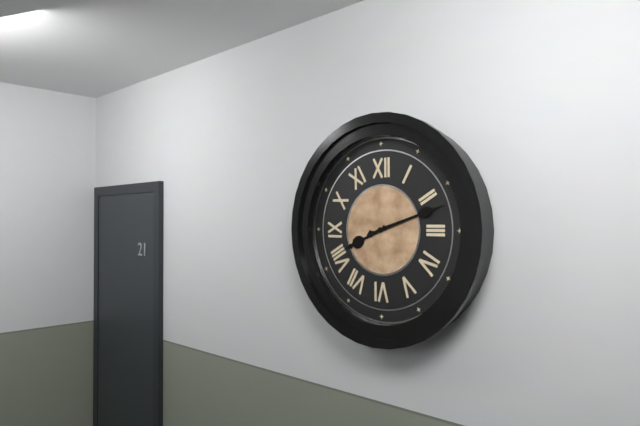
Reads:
{"hour": 8, "minute": 12}
